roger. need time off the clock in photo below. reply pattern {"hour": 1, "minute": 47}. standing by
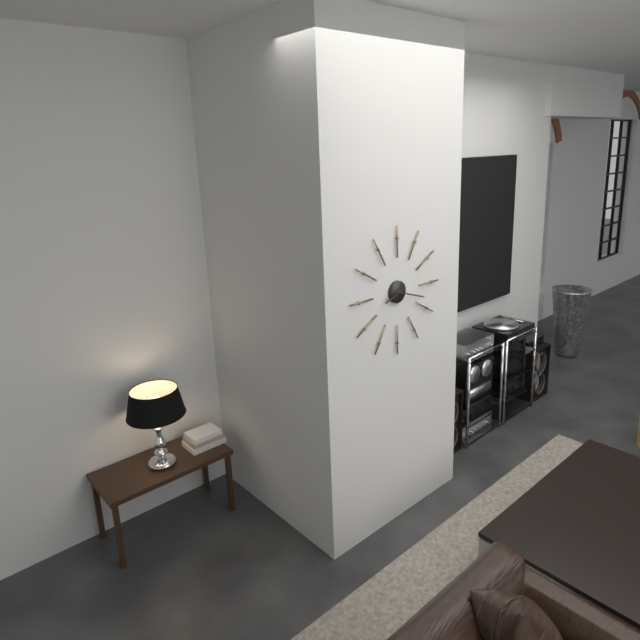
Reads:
{"hour": 8, "minute": 18}
